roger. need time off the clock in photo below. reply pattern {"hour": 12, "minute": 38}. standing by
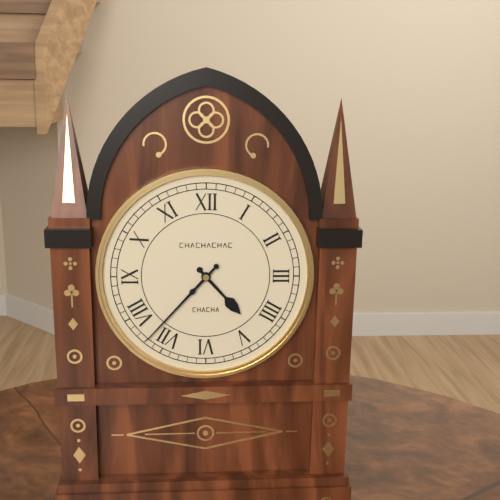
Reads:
{"hour": 4, "minute": 37}
